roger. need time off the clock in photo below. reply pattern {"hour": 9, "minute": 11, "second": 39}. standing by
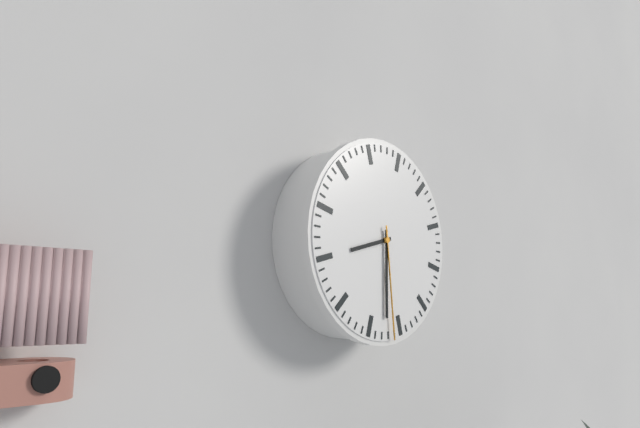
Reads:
{"hour": 8, "minute": 30, "second": 29}
